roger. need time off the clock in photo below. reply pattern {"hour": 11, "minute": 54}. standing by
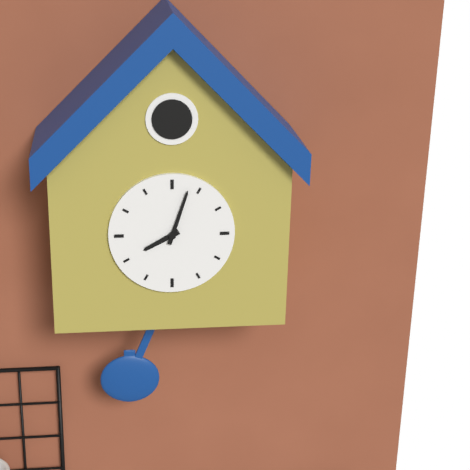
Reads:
{"hour": 8, "minute": 3}
